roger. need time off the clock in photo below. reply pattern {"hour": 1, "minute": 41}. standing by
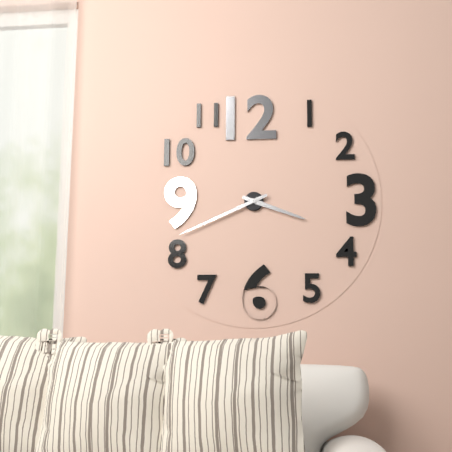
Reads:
{"hour": 3, "minute": 41}
